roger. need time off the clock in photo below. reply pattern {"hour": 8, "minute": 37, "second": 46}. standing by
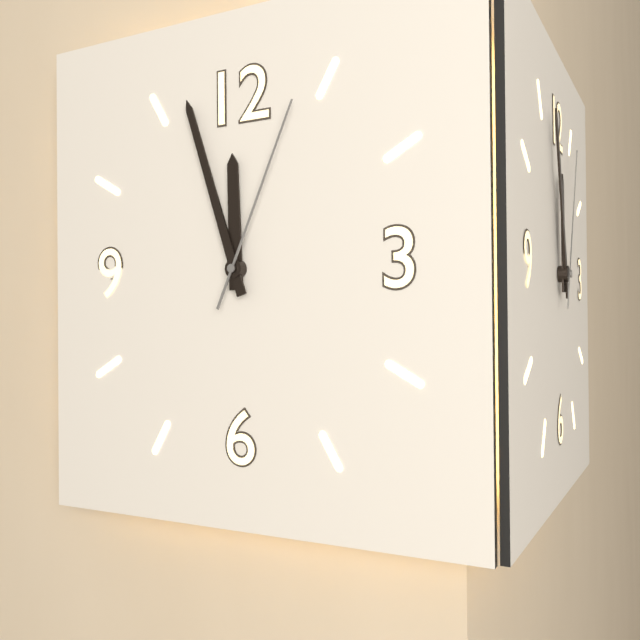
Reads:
{"hour": 11, "minute": 57, "second": 4}
